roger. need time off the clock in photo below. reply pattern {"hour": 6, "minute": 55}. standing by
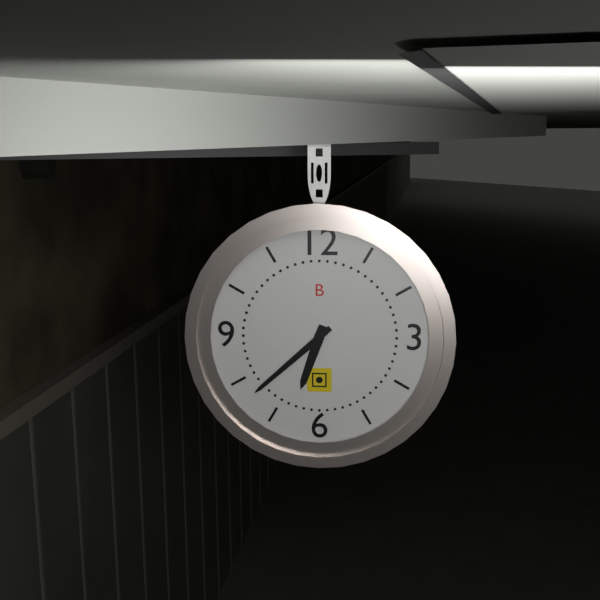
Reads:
{"hour": 6, "minute": 38}
